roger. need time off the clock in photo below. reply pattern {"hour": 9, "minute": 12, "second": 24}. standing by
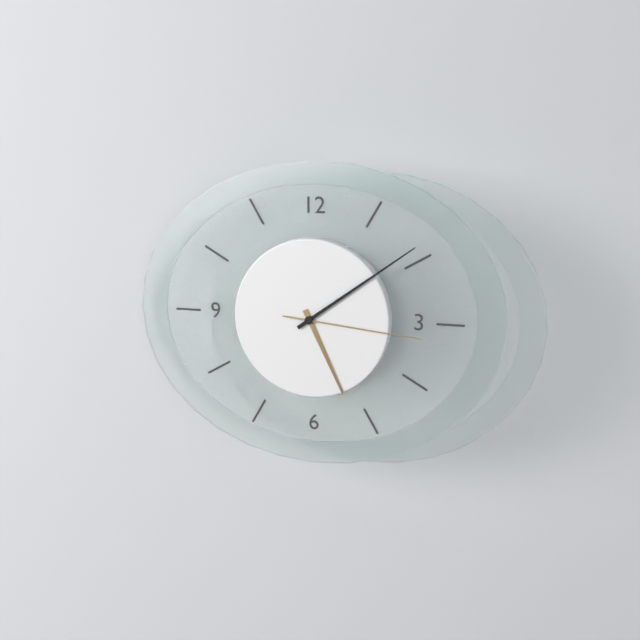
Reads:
{"hour": 5, "minute": 9, "second": 16}
